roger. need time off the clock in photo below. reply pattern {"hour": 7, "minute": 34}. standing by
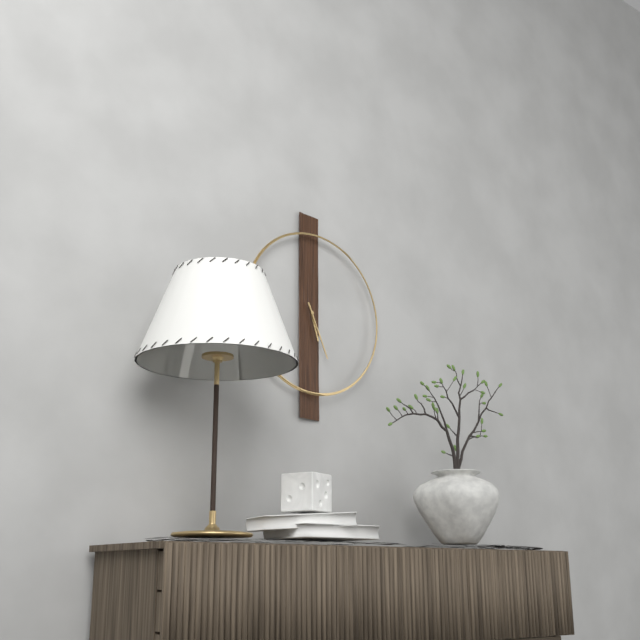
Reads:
{"hour": 5, "minute": 26}
